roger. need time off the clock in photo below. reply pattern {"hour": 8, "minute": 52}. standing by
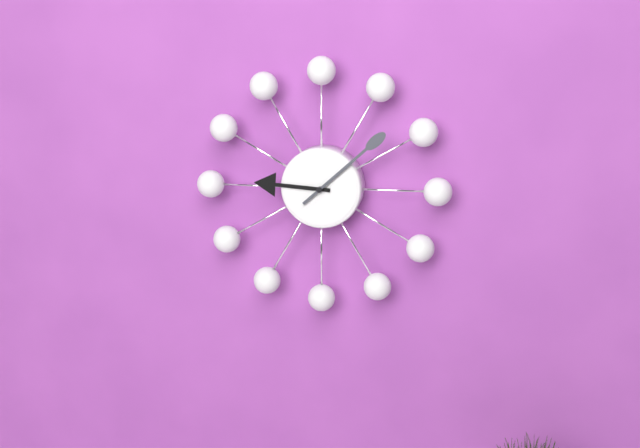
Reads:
{"hour": 9, "minute": 8}
